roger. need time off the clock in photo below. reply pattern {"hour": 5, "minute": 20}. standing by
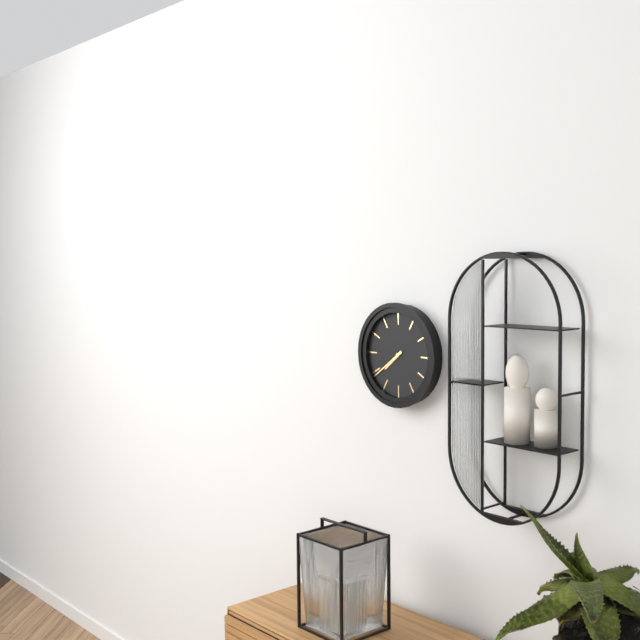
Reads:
{"hour": 7, "minute": 39}
